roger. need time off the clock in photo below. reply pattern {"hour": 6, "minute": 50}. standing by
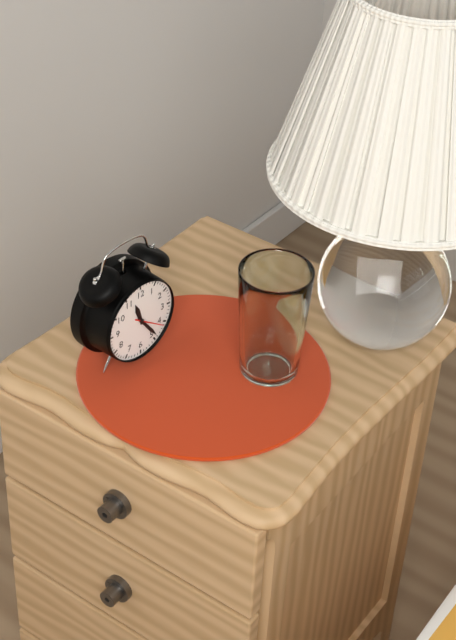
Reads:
{"hour": 11, "minute": 24}
